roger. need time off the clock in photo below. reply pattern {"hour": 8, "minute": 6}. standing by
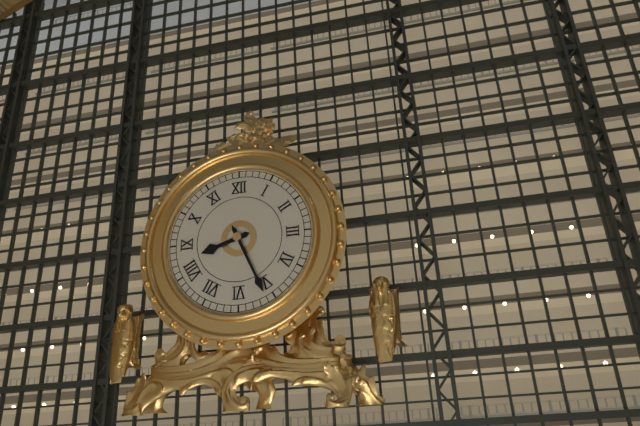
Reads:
{"hour": 8, "minute": 26}
